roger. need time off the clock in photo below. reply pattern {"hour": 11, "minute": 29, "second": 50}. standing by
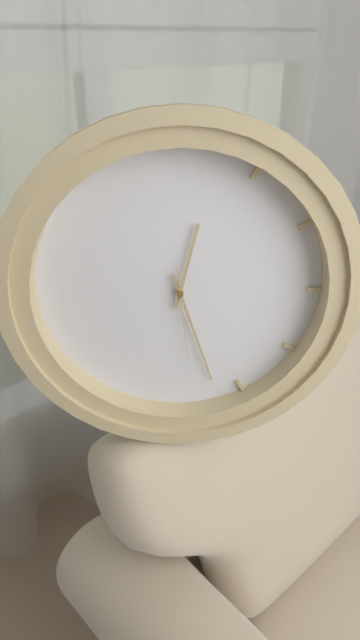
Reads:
{"hour": 12, "minute": 27, "second": 29}
